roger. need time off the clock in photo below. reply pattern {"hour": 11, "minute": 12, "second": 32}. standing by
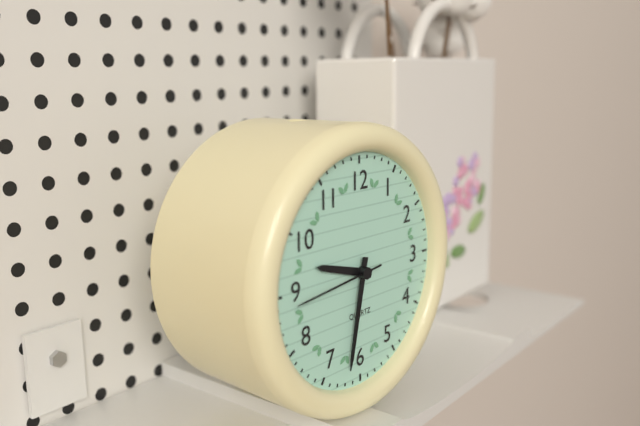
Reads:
{"hour": 9, "minute": 32, "second": 44}
